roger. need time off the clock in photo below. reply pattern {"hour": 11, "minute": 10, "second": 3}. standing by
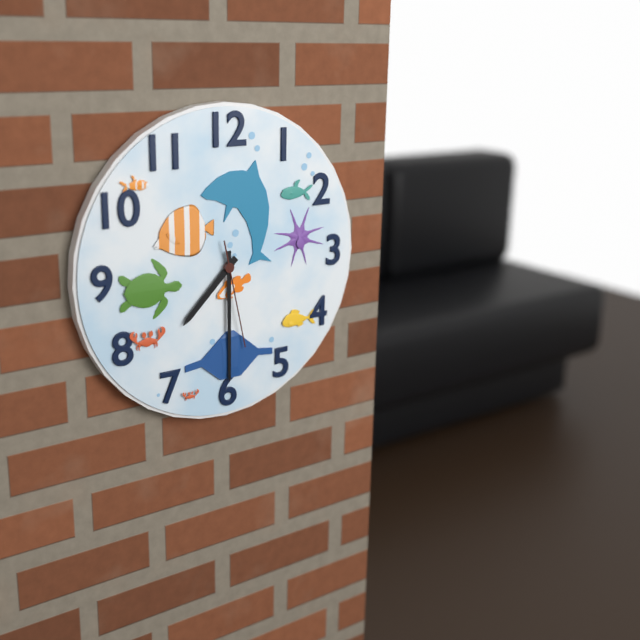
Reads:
{"hour": 7, "minute": 30, "second": 28}
